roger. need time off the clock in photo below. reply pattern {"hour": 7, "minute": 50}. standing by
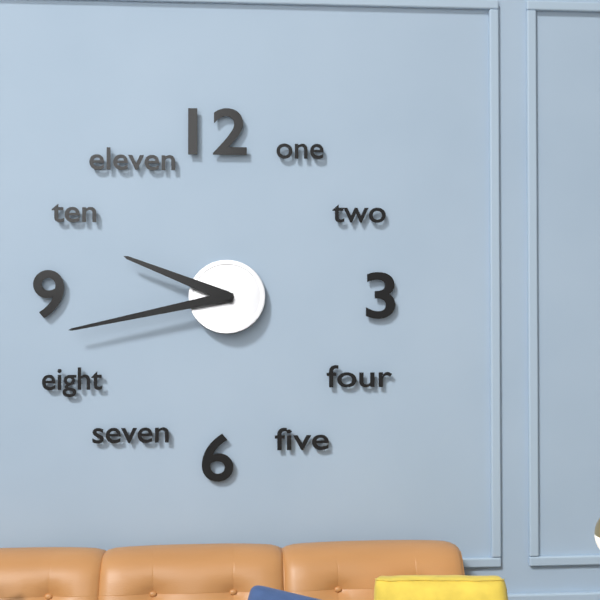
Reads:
{"hour": 9, "minute": 43}
